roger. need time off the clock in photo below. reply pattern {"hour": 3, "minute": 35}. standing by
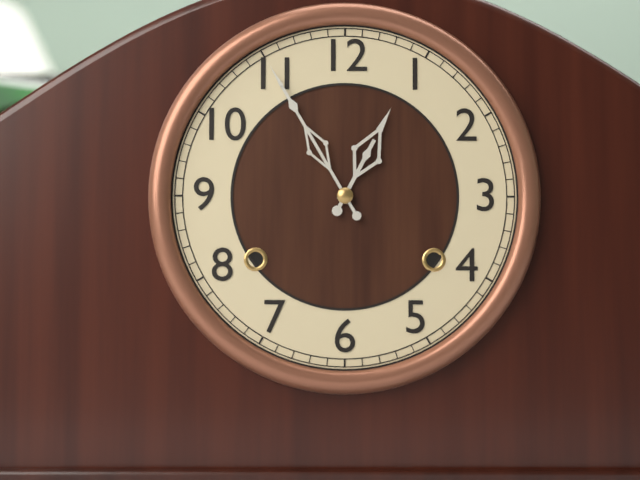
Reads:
{"hour": 12, "minute": 55}
